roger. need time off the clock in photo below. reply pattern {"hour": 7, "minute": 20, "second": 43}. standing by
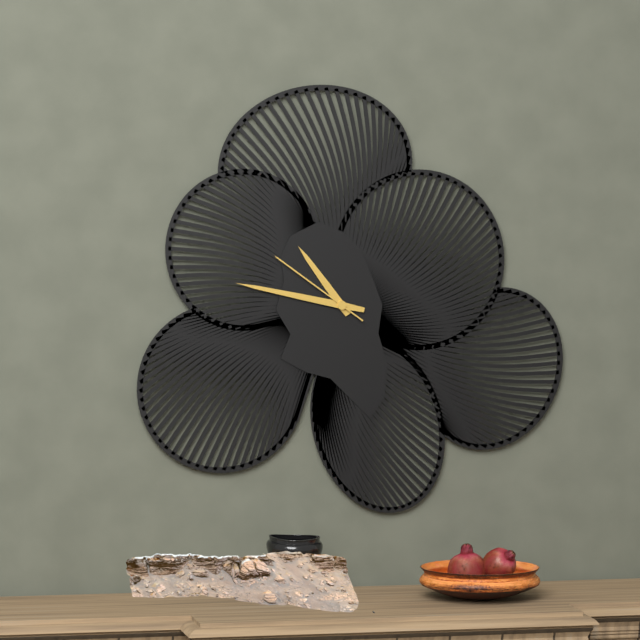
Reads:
{"hour": 10, "minute": 47, "second": 51}
